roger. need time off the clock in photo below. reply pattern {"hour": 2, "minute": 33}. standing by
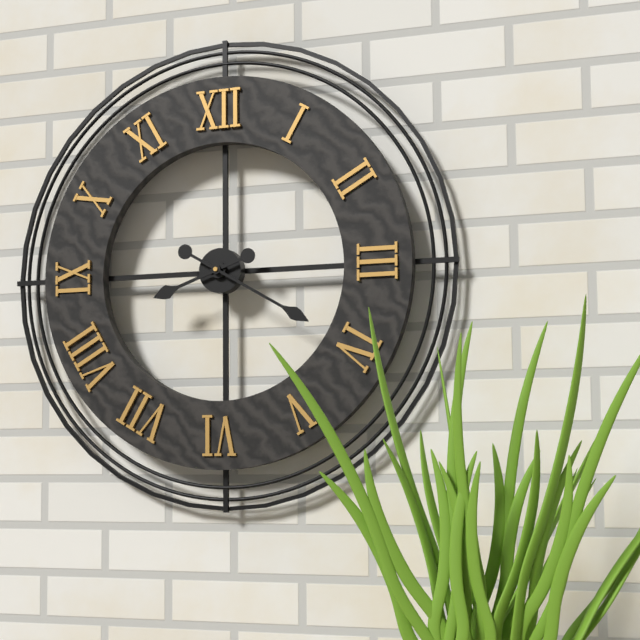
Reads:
{"hour": 8, "minute": 20}
